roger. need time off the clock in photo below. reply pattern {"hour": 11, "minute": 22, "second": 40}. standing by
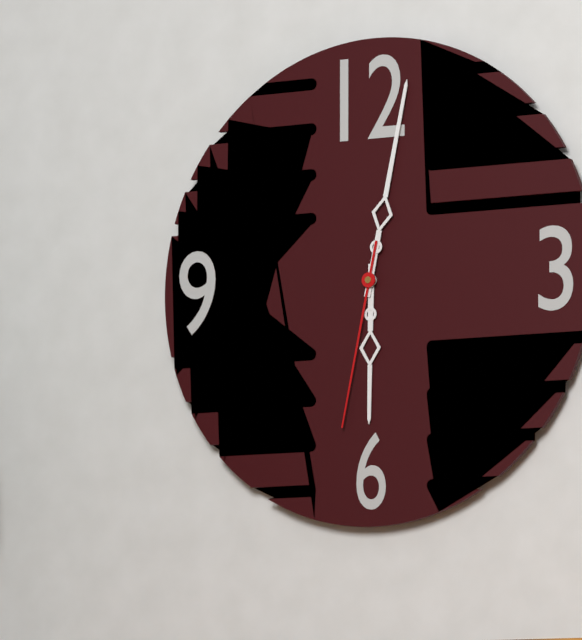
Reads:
{"hour": 6, "minute": 2, "second": 32}
